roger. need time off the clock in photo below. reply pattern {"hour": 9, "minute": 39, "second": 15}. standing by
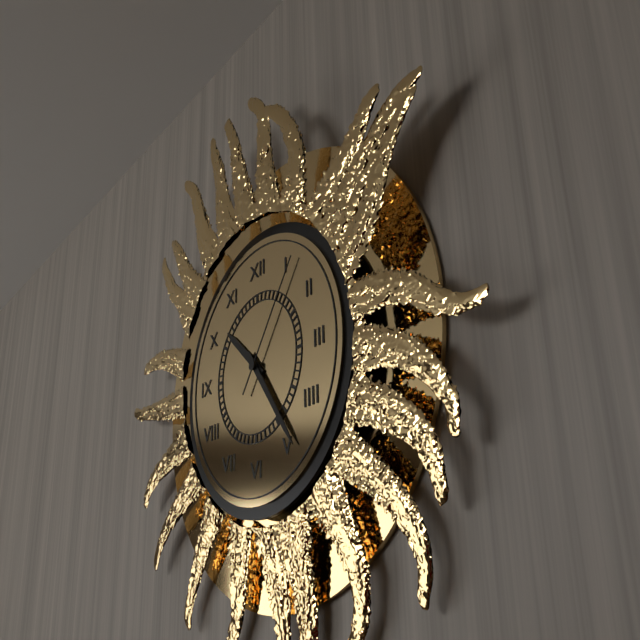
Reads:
{"hour": 10, "minute": 24, "second": 6}
